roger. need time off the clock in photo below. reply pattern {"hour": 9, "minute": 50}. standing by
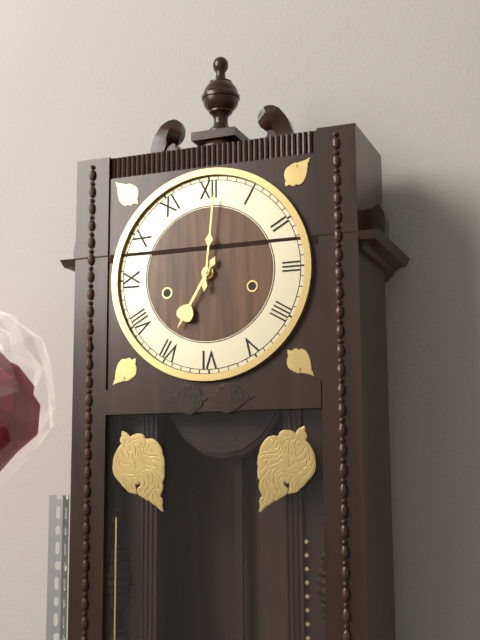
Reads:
{"hour": 7, "minute": 1}
